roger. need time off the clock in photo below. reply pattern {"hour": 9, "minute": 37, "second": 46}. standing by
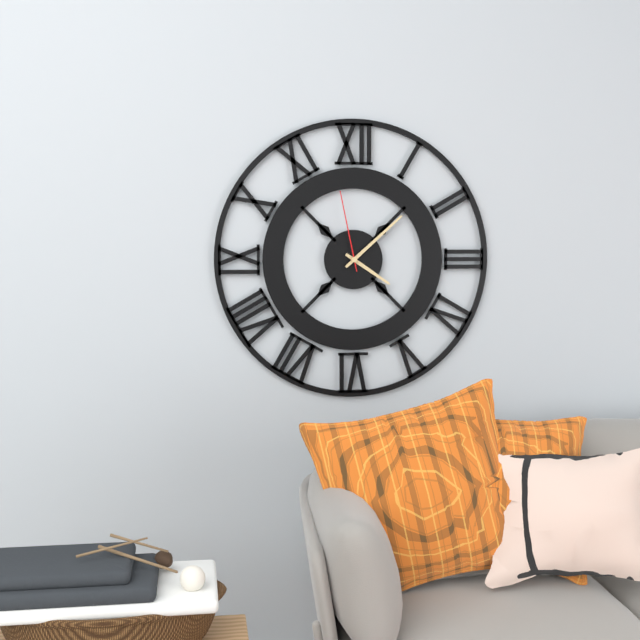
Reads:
{"hour": 4, "minute": 8, "second": 58}
